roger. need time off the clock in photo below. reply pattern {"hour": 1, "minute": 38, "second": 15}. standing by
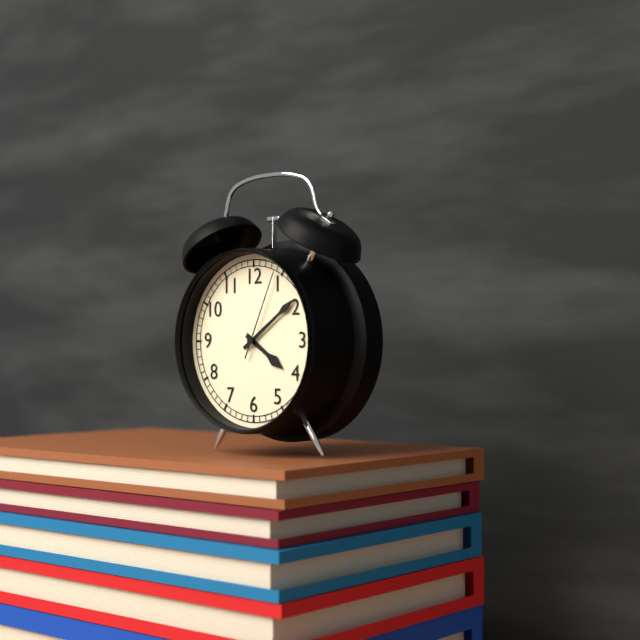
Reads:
{"hour": 4, "minute": 9, "second": 4}
